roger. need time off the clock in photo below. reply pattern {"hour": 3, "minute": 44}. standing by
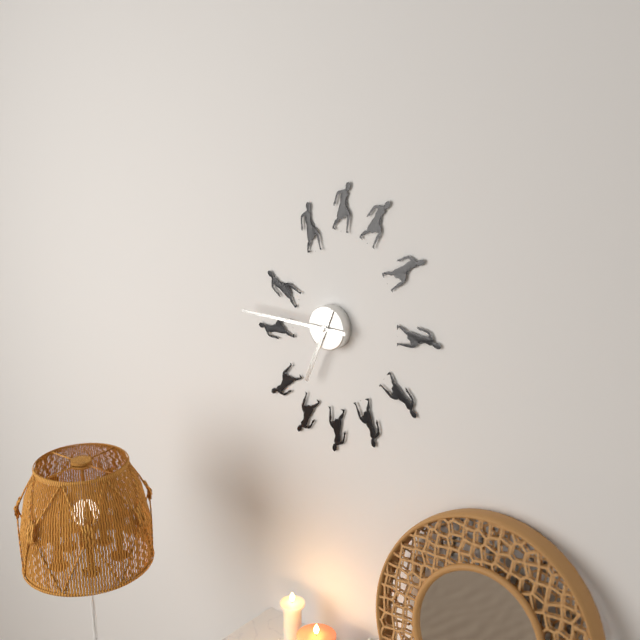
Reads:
{"hour": 6, "minute": 45}
